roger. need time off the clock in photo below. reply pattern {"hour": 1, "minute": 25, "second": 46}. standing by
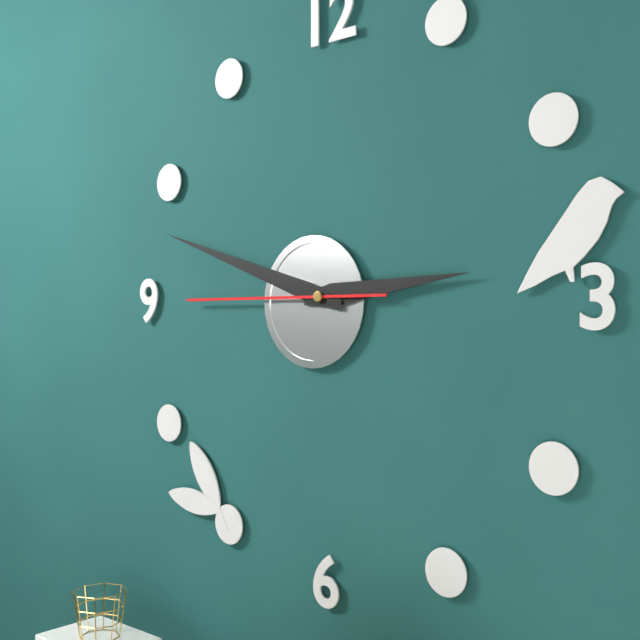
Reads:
{"hour": 2, "minute": 48, "second": 45}
